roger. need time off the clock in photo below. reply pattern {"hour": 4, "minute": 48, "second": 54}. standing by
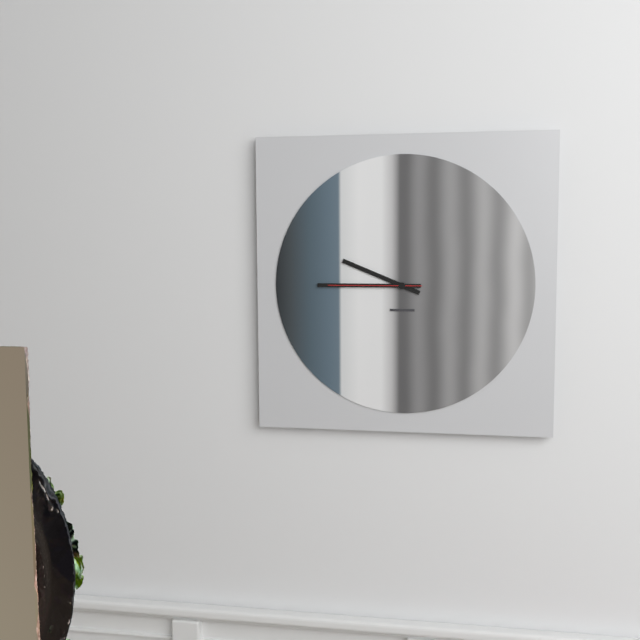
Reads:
{"hour": 9, "minute": 45, "second": 45}
